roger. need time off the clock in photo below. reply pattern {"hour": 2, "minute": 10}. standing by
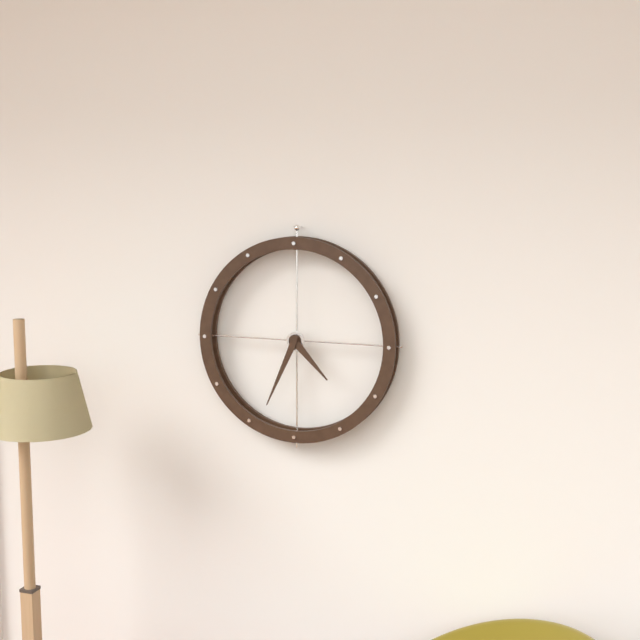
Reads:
{"hour": 4, "minute": 34}
